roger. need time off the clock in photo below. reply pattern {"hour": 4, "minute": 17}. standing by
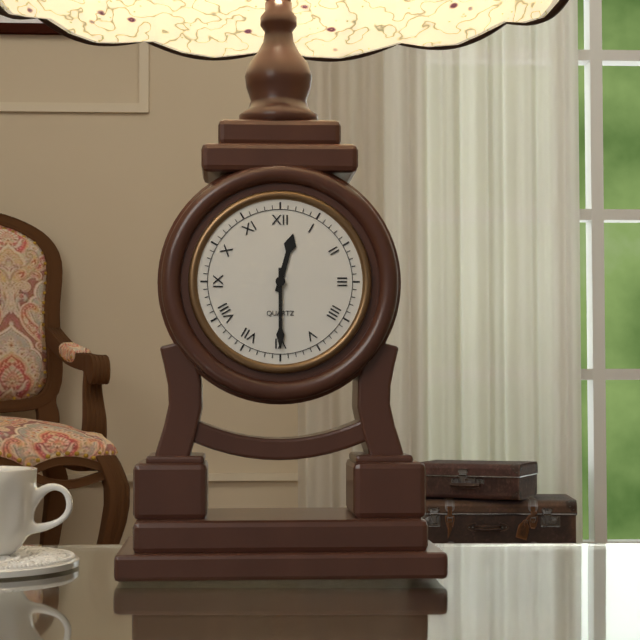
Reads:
{"hour": 12, "minute": 30}
